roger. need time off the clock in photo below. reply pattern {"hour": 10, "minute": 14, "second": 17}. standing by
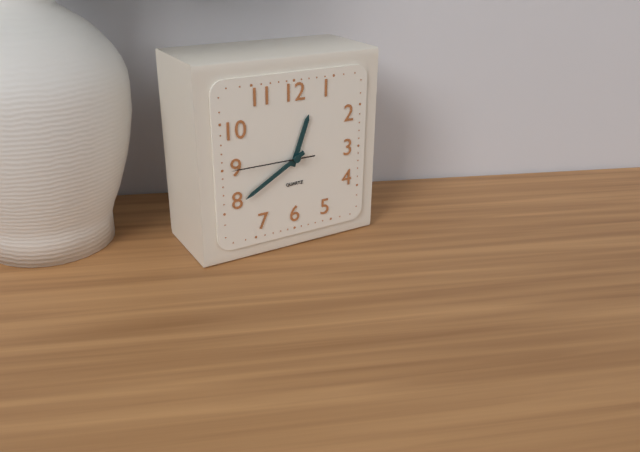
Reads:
{"hour": 12, "minute": 40, "second": 45}
